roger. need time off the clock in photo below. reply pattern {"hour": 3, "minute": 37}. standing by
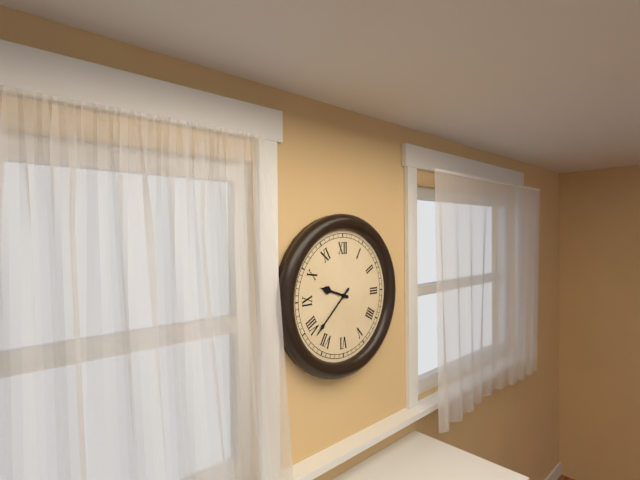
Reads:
{"hour": 9, "minute": 38}
